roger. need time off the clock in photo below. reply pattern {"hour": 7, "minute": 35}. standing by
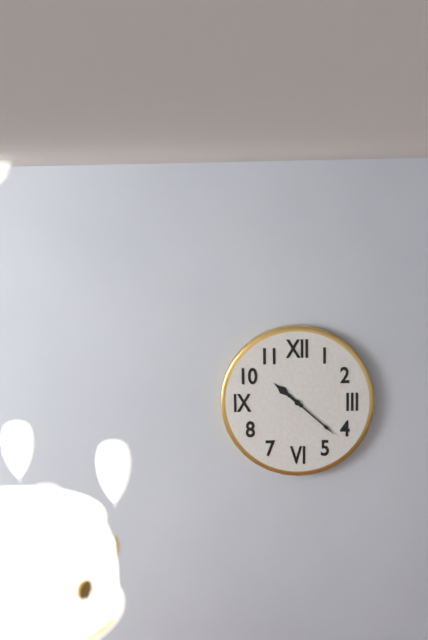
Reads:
{"hour": 10, "minute": 22}
